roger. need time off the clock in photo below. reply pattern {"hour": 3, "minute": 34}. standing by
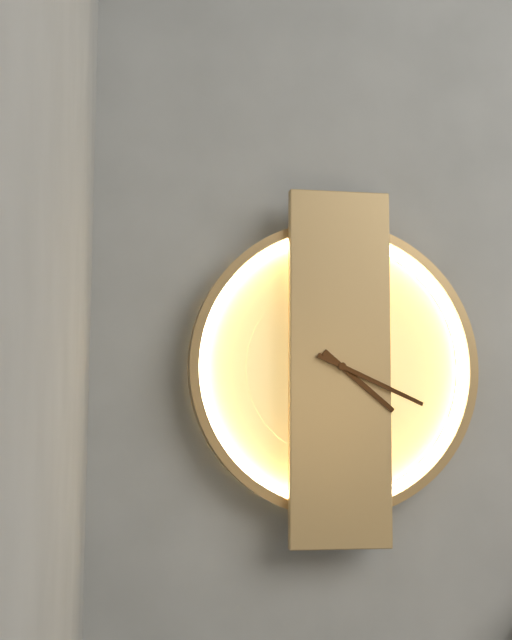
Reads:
{"hour": 4, "minute": 19}
